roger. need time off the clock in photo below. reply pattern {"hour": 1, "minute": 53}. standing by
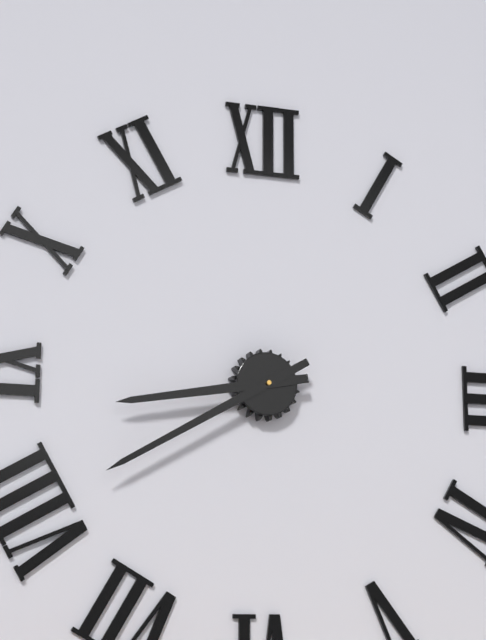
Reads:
{"hour": 8, "minute": 40}
